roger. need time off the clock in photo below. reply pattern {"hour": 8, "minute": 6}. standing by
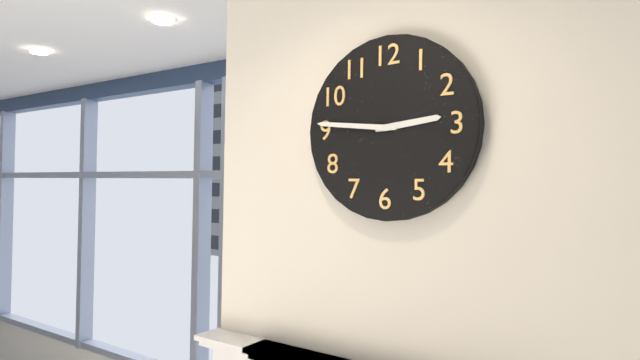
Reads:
{"hour": 2, "minute": 46}
